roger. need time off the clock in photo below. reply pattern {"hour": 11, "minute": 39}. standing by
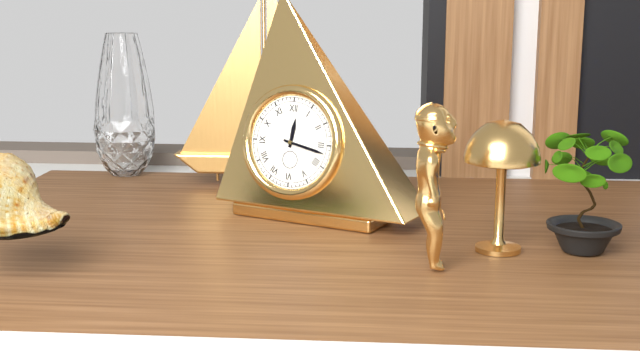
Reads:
{"hour": 12, "minute": 17}
